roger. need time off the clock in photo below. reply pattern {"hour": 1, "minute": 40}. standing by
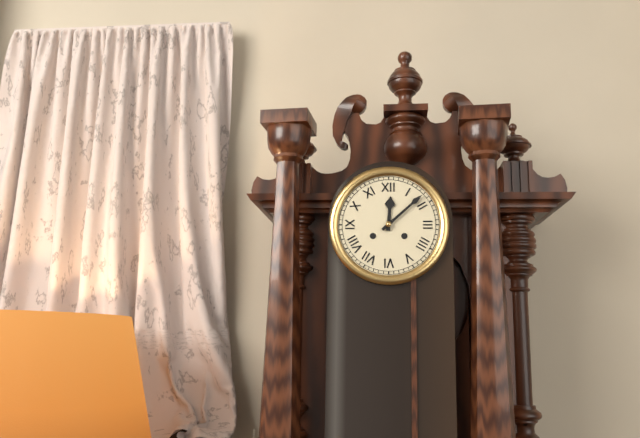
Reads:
{"hour": 12, "minute": 8}
